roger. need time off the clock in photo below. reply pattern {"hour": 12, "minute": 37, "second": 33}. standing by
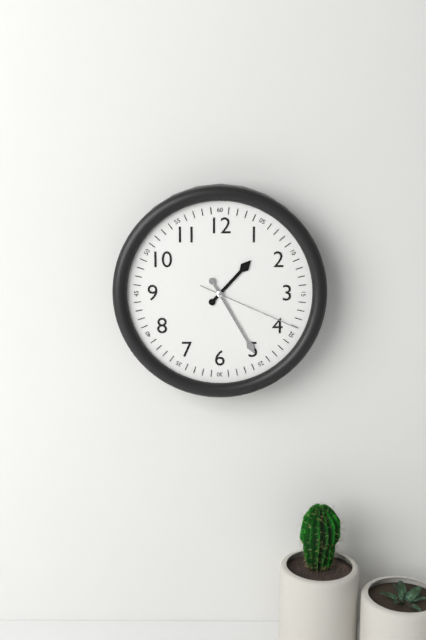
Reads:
{"hour": 1, "minute": 25, "second": 19}
